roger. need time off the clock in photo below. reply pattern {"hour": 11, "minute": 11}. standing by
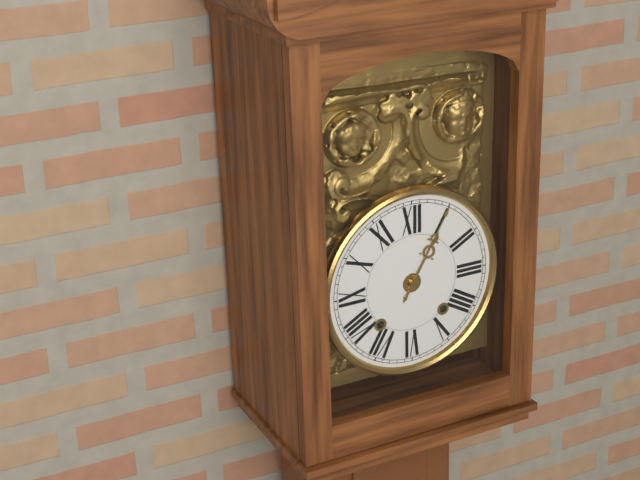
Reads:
{"hour": 1, "minute": 5}
